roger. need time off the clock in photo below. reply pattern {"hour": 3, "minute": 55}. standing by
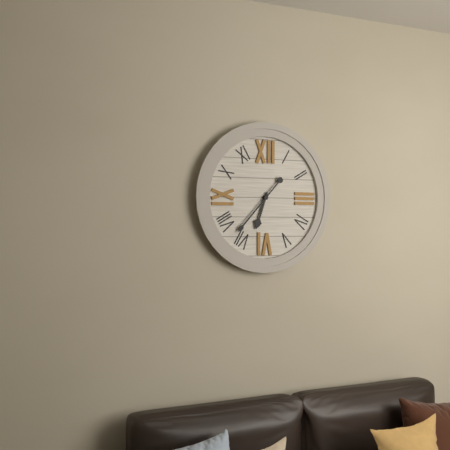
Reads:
{"hour": 6, "minute": 37}
